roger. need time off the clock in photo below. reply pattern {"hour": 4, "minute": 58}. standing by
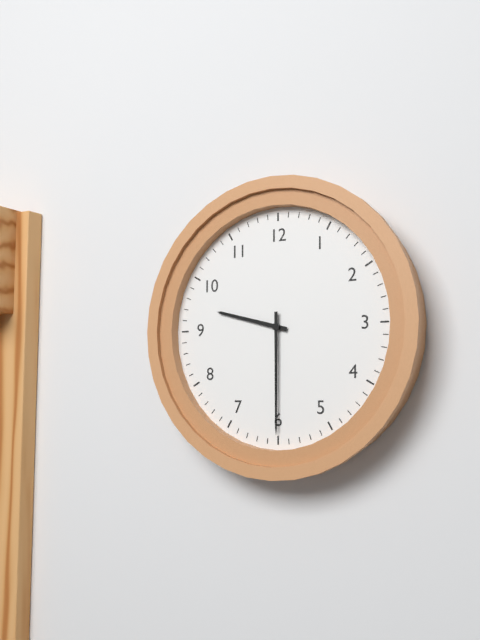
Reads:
{"hour": 9, "minute": 30}
